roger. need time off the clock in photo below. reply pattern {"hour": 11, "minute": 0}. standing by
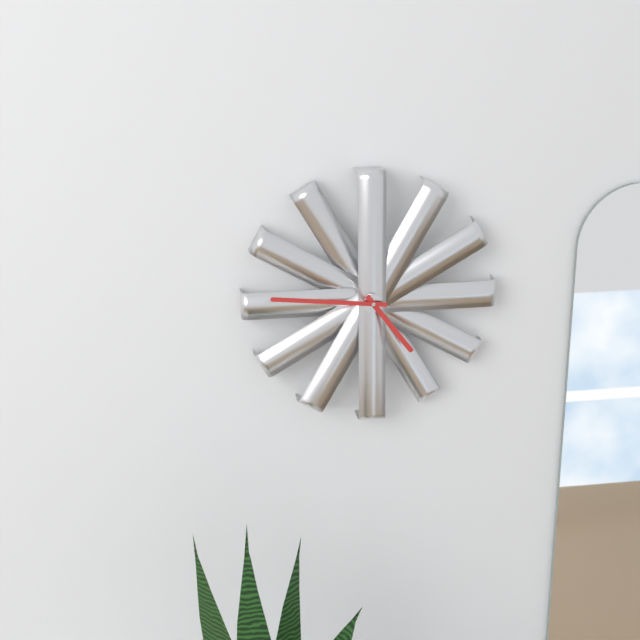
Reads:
{"hour": 4, "minute": 46}
